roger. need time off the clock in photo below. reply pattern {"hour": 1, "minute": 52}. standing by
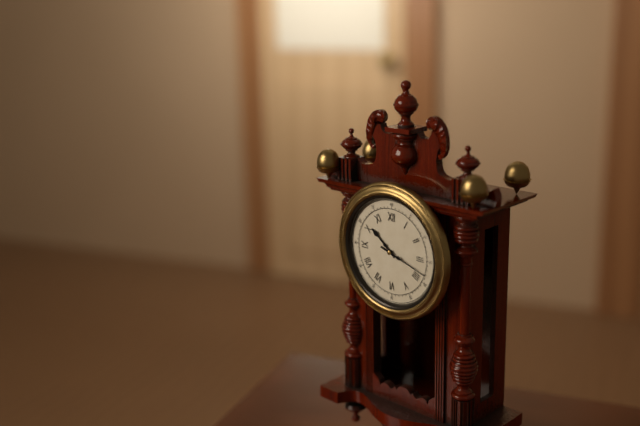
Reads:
{"hour": 10, "minute": 18}
